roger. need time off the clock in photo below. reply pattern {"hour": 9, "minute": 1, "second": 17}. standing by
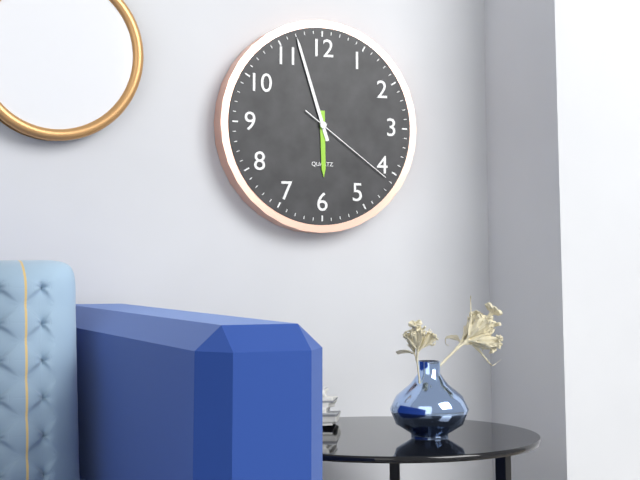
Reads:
{"hour": 5, "minute": 57, "second": 21}
